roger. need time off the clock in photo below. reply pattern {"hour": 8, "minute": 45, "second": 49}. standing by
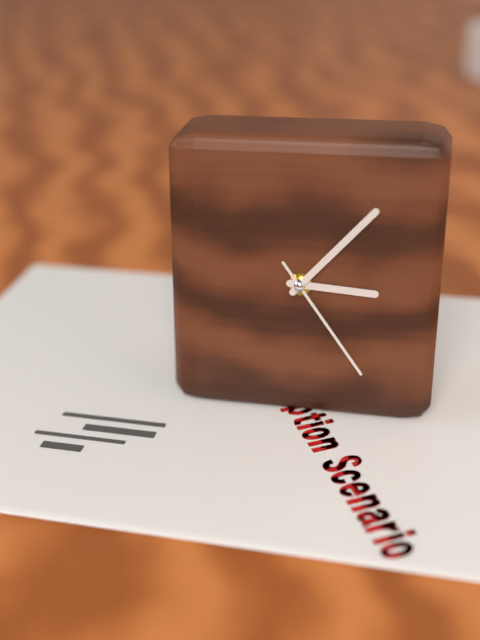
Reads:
{"hour": 3, "minute": 7, "second": 24}
